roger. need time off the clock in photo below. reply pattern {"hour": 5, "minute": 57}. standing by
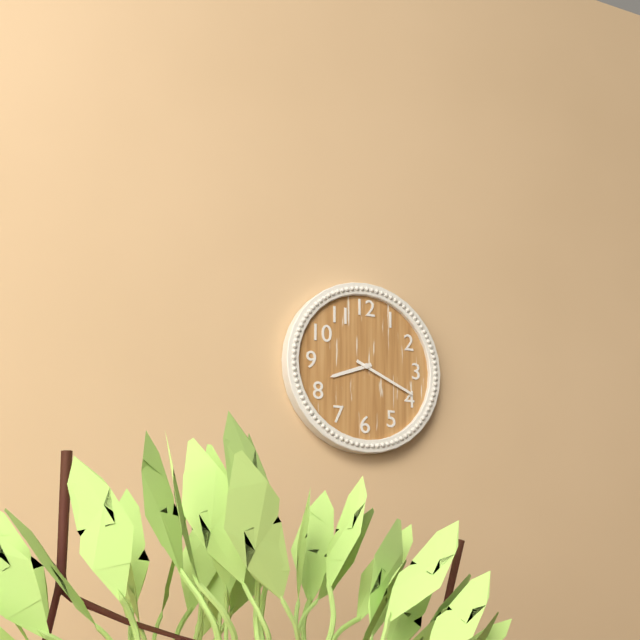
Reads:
{"hour": 8, "minute": 19}
